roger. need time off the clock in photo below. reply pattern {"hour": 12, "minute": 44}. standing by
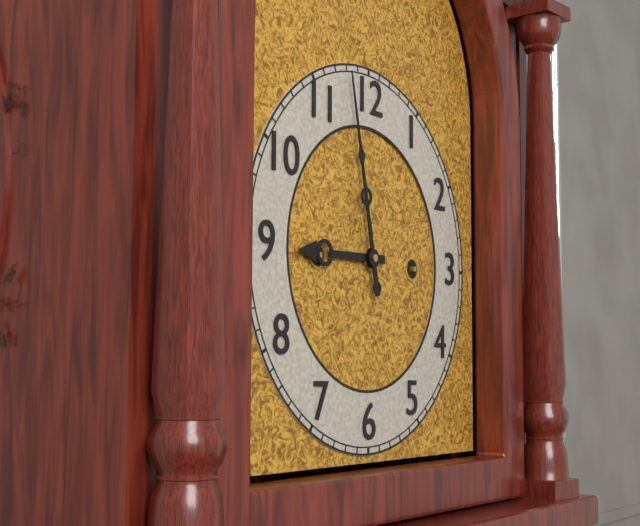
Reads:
{"hour": 8, "minute": 58}
